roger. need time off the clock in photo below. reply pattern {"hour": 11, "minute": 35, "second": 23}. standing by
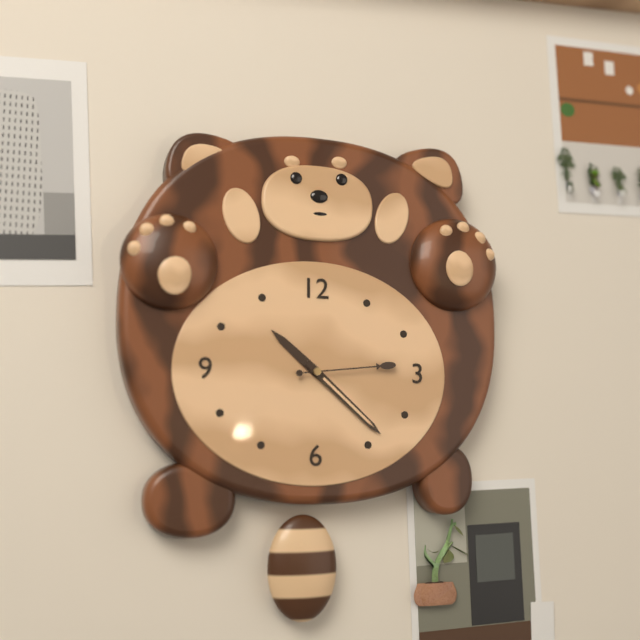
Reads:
{"hour": 10, "minute": 22, "second": 14}
